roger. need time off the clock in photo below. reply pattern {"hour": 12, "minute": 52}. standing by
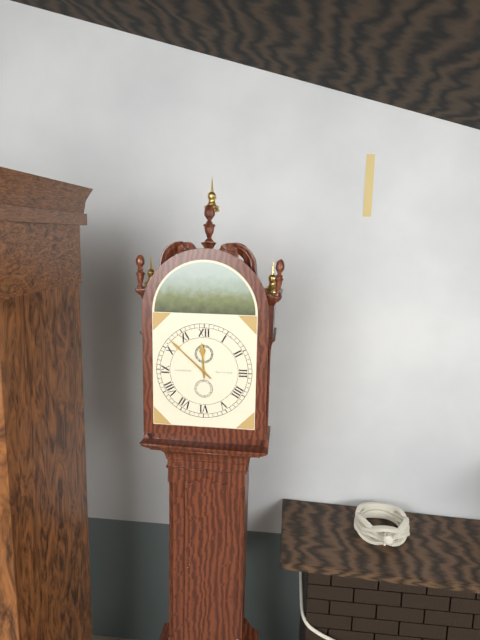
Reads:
{"hour": 11, "minute": 52}
